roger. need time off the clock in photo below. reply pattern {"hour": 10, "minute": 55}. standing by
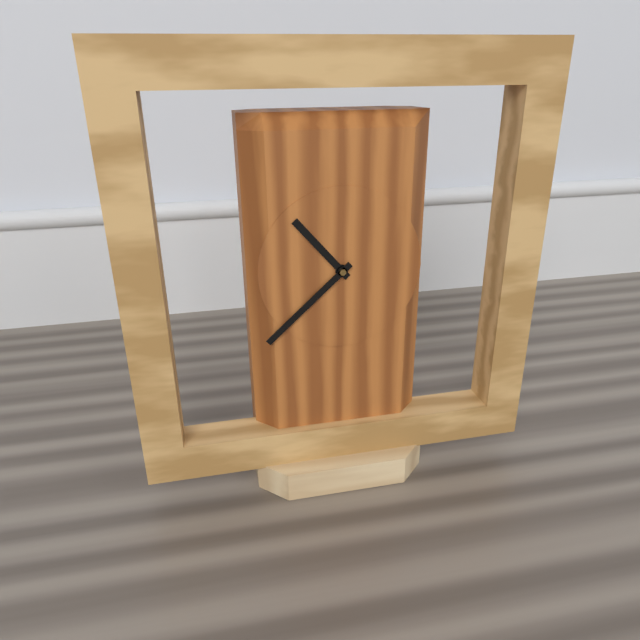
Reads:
{"hour": 10, "minute": 38}
